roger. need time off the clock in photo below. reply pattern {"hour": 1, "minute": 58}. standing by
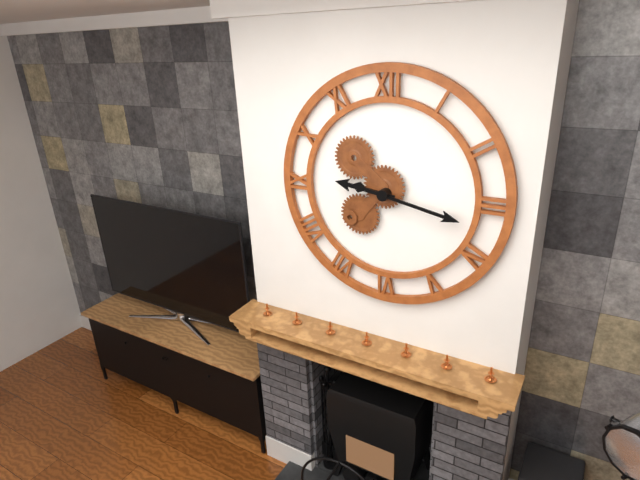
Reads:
{"hour": 9, "minute": 17}
